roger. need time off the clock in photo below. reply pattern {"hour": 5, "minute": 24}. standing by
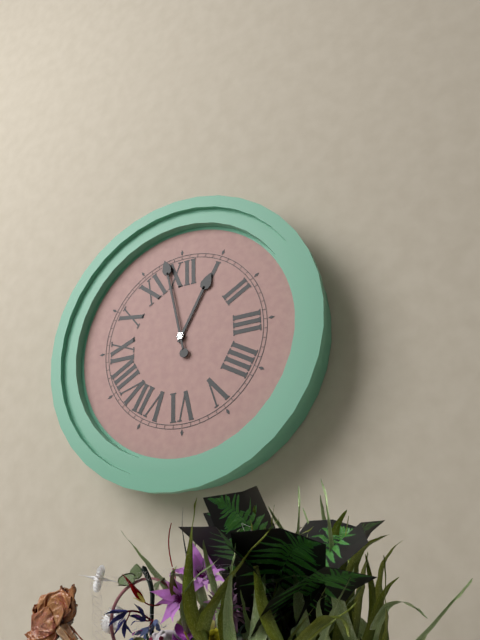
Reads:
{"hour": 12, "minute": 58}
